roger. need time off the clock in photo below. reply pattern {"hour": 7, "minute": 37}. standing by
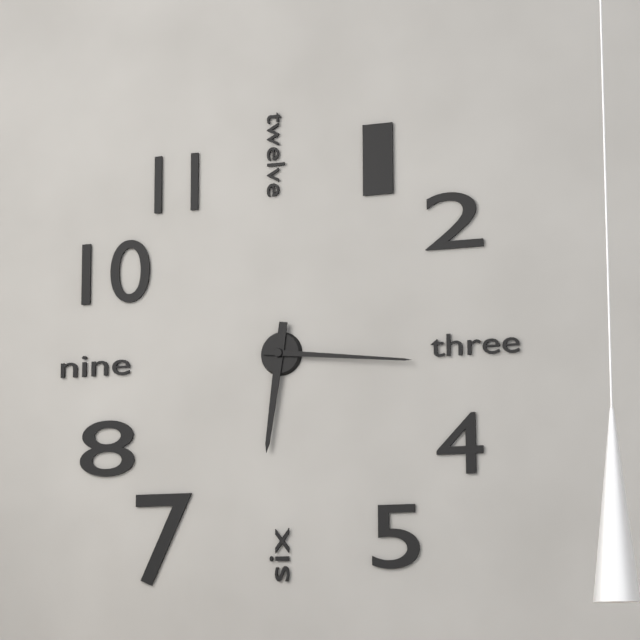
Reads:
{"hour": 6, "minute": 16}
